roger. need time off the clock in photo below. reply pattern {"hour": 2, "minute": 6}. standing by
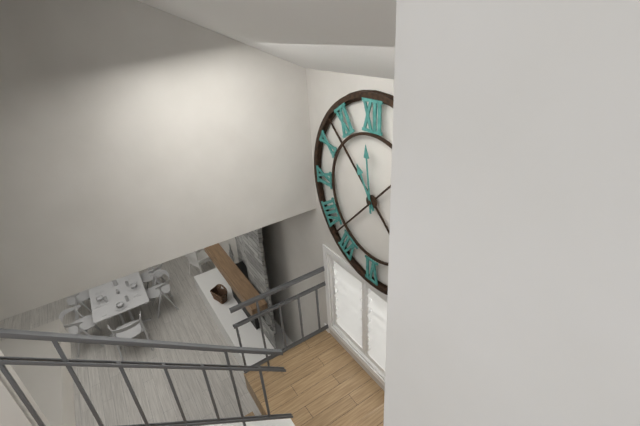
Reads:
{"hour": 10, "minute": 59}
